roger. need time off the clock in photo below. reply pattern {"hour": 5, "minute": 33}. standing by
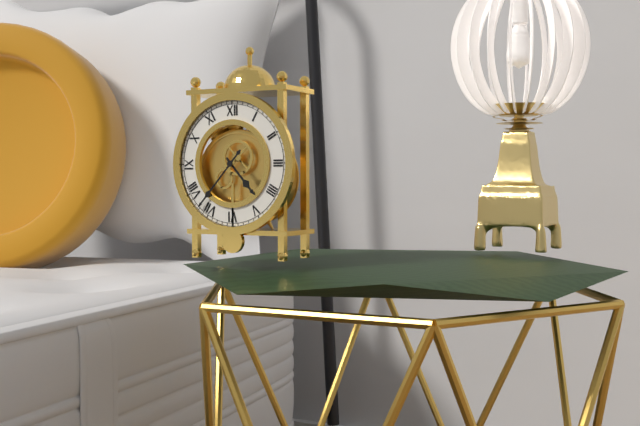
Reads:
{"hour": 4, "minute": 37}
